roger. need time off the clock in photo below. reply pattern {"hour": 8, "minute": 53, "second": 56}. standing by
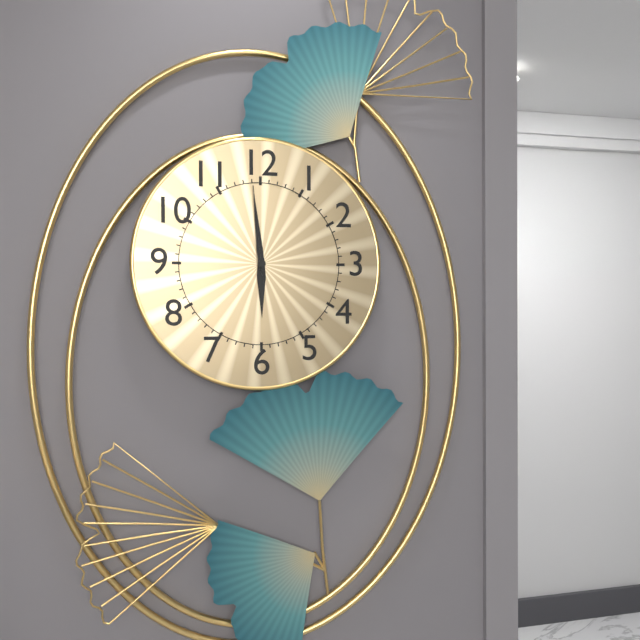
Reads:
{"hour": 5, "minute": 59, "second": 59}
